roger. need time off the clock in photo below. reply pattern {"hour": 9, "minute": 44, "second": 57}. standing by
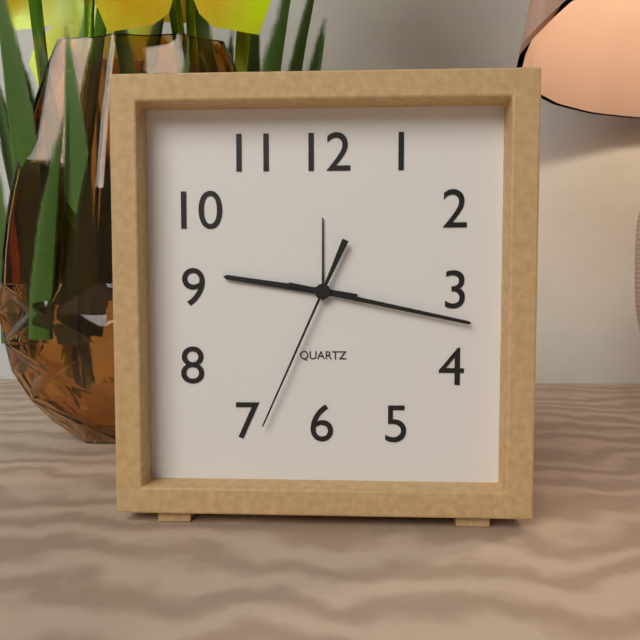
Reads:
{"hour": 9, "minute": 17, "second": 34}
